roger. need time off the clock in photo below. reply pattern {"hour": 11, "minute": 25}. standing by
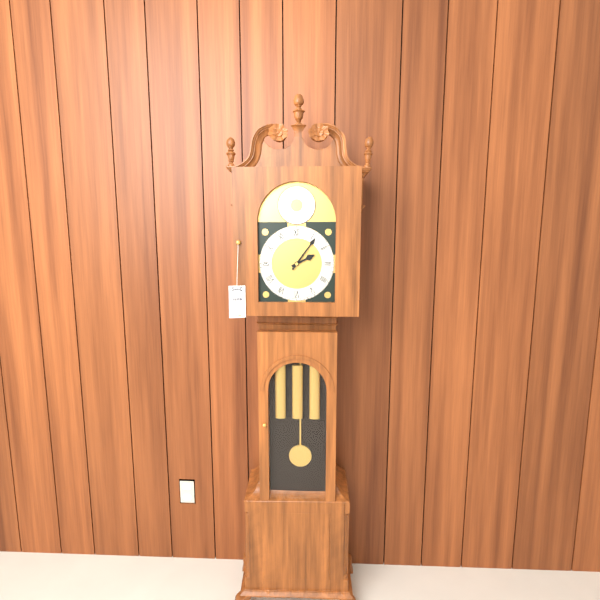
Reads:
{"hour": 2, "minute": 6}
